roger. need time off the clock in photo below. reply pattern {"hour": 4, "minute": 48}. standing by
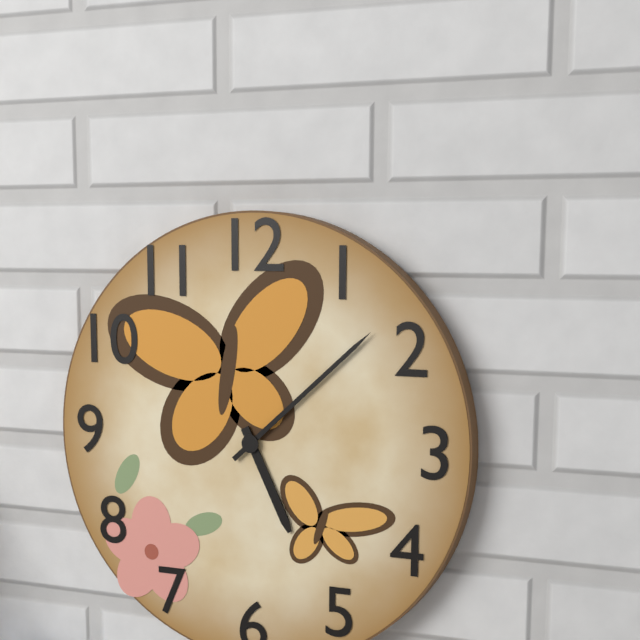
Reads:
{"hour": 5, "minute": 8}
